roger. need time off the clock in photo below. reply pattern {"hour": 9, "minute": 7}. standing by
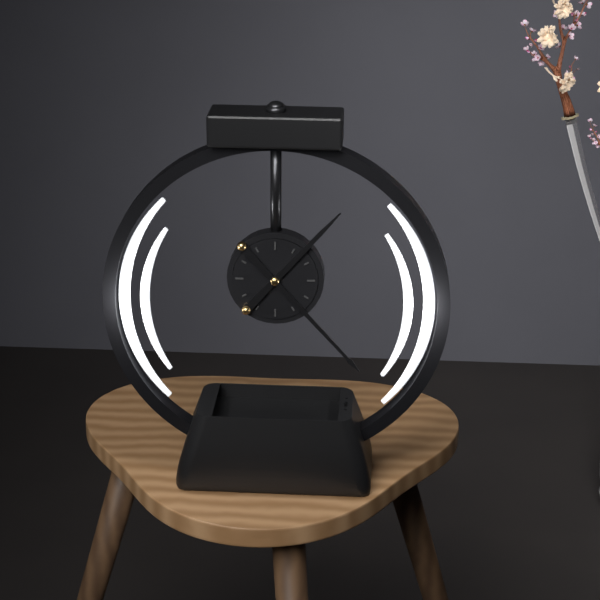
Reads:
{"hour": 1, "minute": 23}
